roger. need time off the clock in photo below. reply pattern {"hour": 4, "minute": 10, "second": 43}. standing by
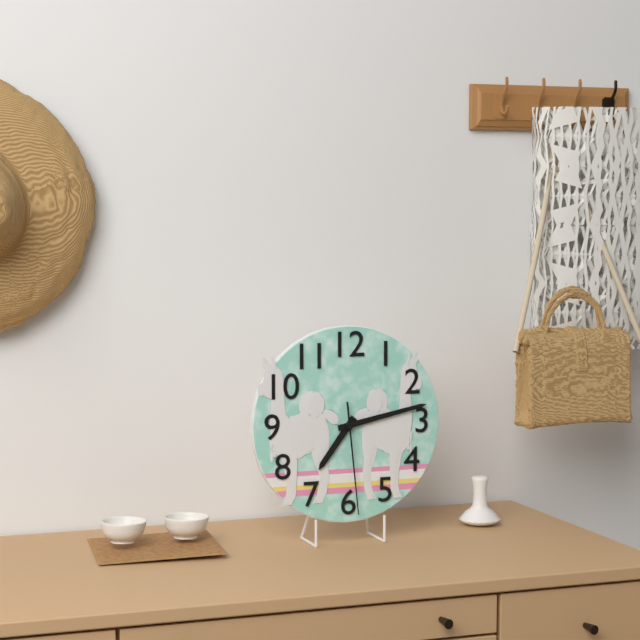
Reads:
{"hour": 7, "minute": 13, "second": 29}
